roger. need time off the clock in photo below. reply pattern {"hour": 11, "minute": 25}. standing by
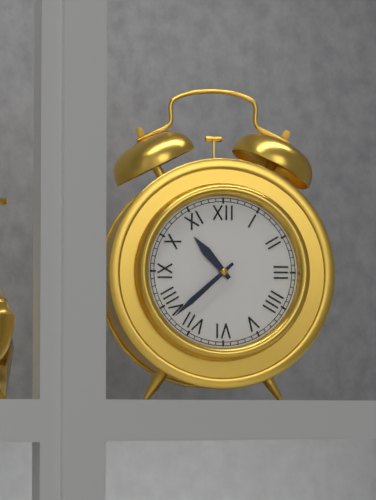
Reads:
{"hour": 10, "minute": 38}
